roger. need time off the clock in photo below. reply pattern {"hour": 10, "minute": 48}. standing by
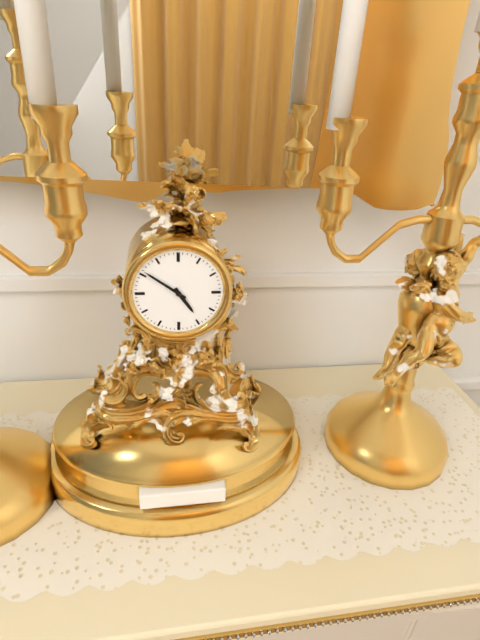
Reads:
{"hour": 4, "minute": 51}
